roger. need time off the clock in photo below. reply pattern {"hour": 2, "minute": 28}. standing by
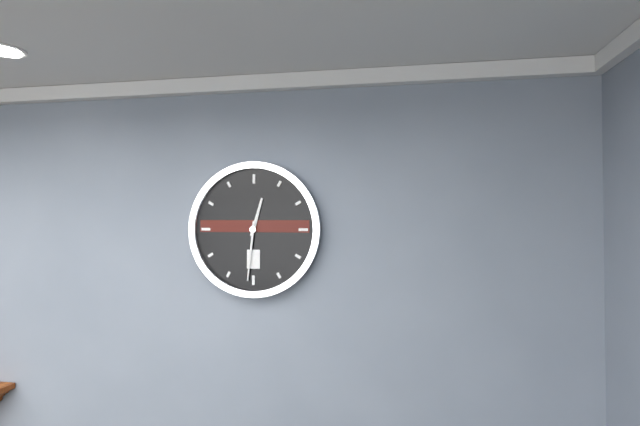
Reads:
{"hour": 12, "minute": 31}
